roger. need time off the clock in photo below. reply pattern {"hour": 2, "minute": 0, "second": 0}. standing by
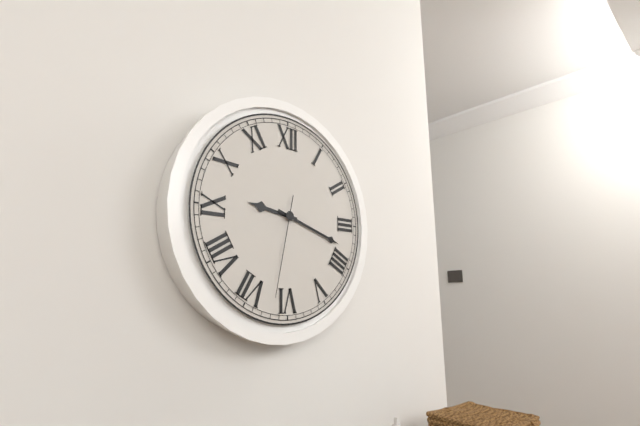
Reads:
{"hour": 9, "minute": 18, "second": 32}
